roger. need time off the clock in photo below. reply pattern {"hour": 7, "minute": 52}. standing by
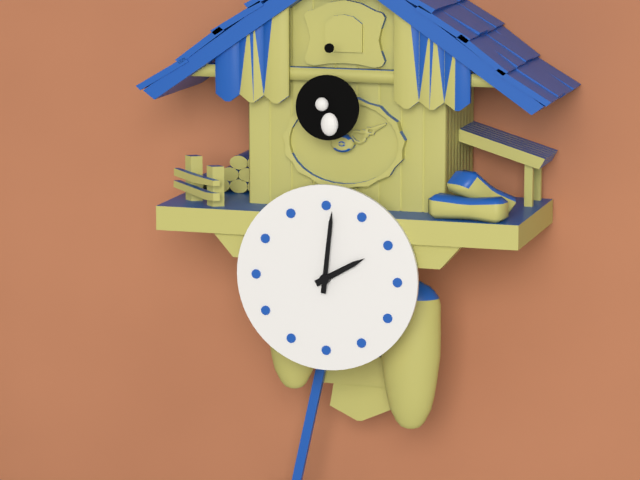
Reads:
{"hour": 2, "minute": 1}
